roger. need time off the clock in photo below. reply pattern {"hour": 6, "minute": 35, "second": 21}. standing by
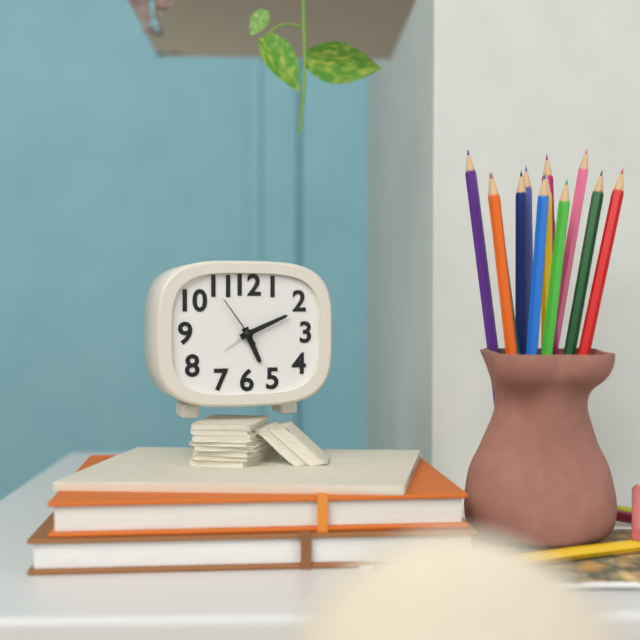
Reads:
{"hour": 5, "minute": 11, "second": 54}
